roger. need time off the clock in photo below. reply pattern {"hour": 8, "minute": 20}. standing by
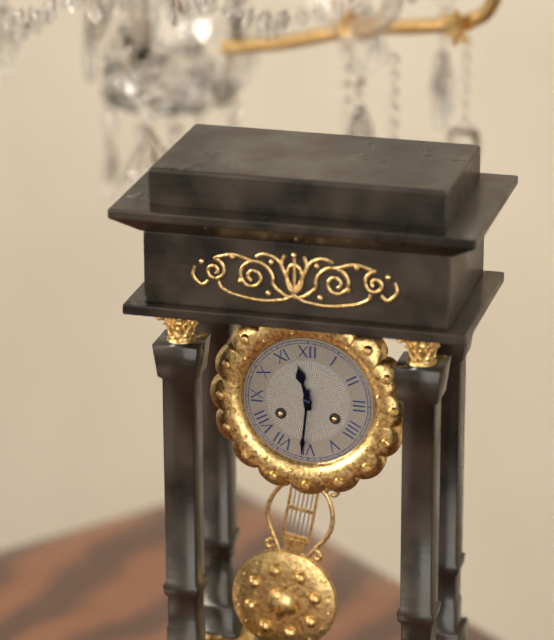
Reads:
{"hour": 11, "minute": 31}
